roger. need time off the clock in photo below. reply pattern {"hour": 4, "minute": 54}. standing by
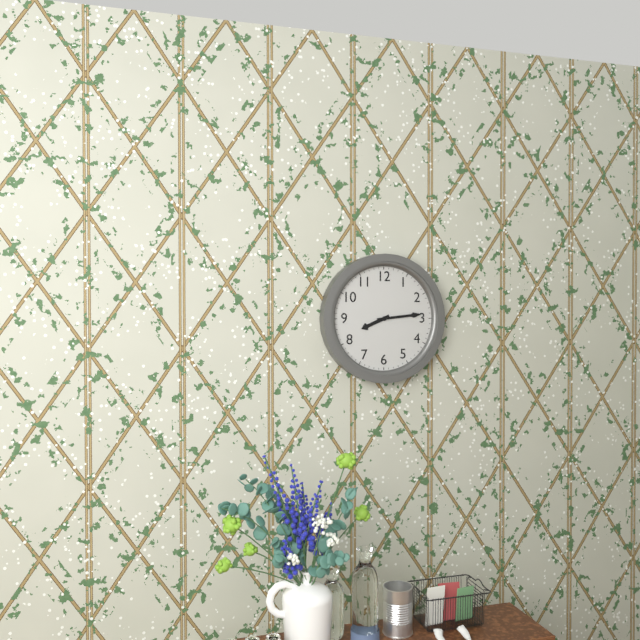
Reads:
{"hour": 8, "minute": 14}
